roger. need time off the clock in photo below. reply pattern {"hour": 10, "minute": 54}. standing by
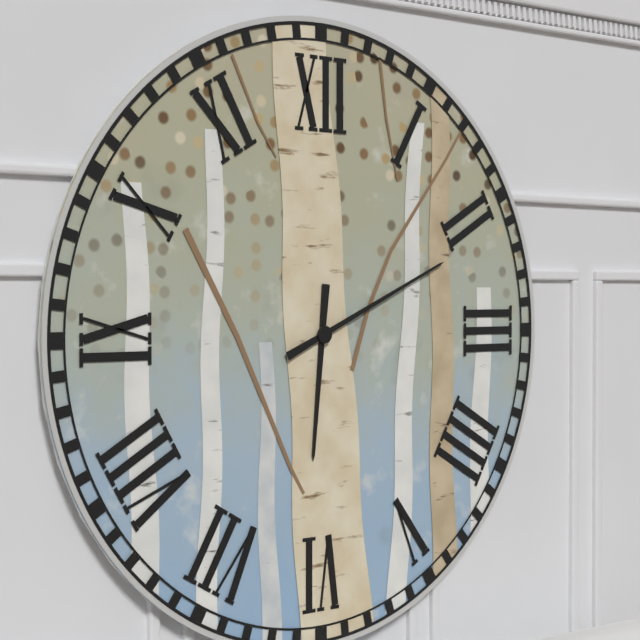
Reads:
{"hour": 6, "minute": 11}
